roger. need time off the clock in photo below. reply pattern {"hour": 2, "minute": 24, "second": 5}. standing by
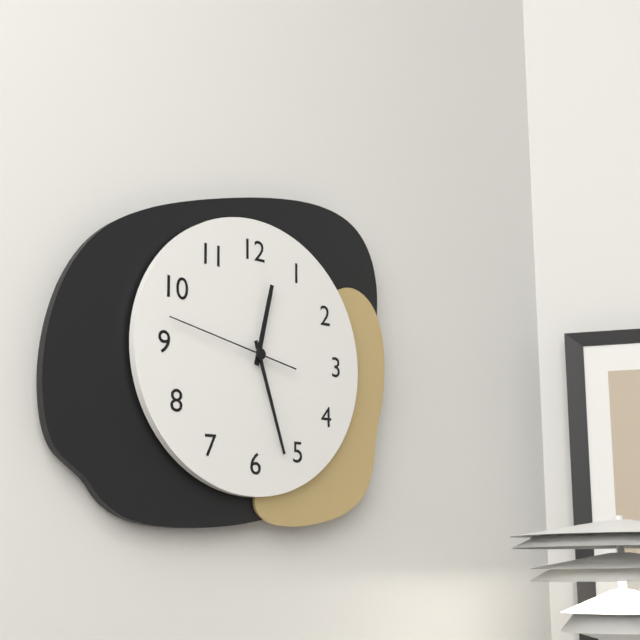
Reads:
{"hour": 12, "minute": 27, "second": 47}
